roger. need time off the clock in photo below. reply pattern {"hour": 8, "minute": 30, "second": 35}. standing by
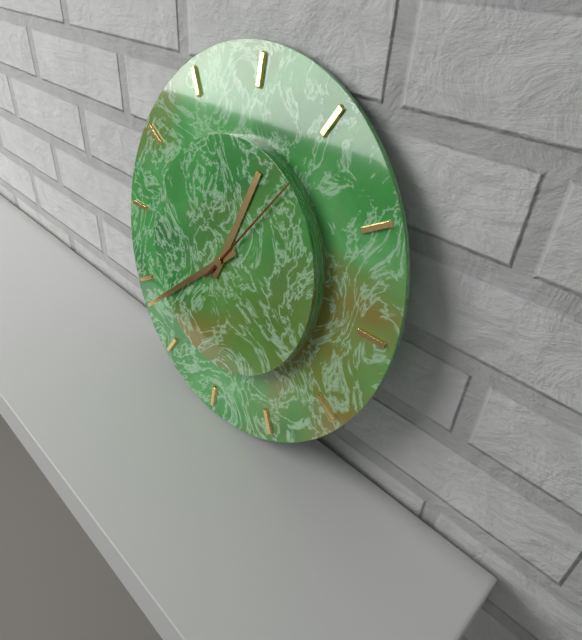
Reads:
{"hour": 12, "minute": 38, "second": 6}
